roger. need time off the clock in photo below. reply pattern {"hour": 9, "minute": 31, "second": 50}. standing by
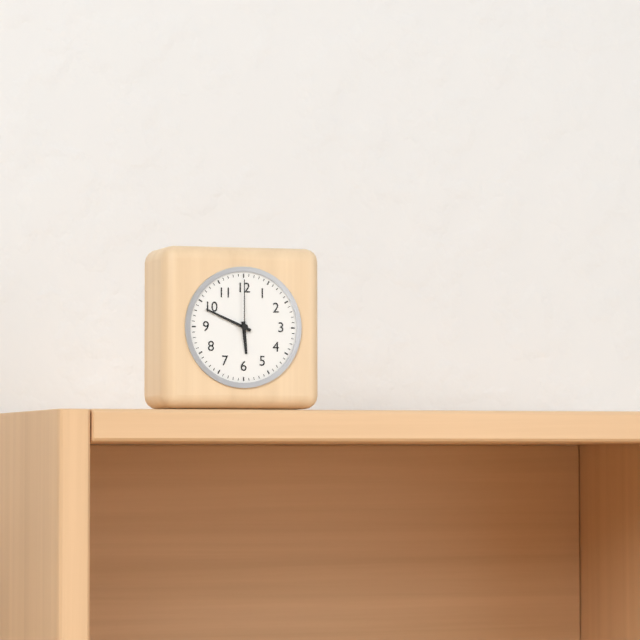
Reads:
{"hour": 5, "minute": 49, "second": 0}
